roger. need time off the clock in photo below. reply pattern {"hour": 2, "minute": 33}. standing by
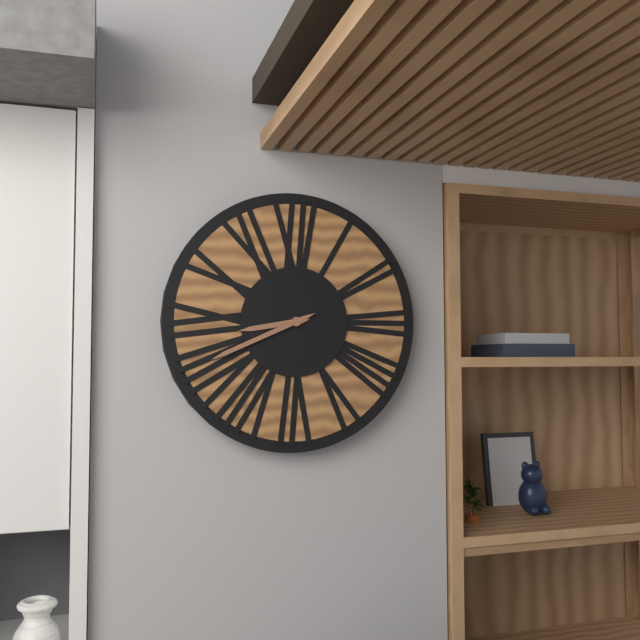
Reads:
{"hour": 8, "minute": 41}
